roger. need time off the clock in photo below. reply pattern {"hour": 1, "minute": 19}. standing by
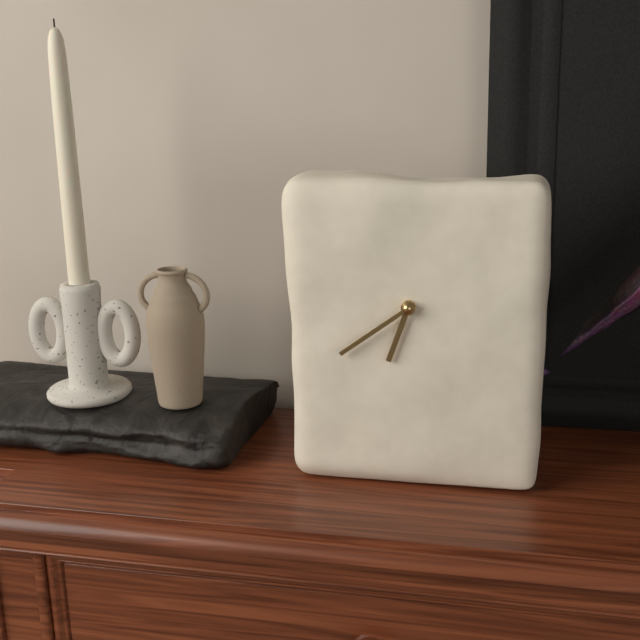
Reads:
{"hour": 6, "minute": 39}
